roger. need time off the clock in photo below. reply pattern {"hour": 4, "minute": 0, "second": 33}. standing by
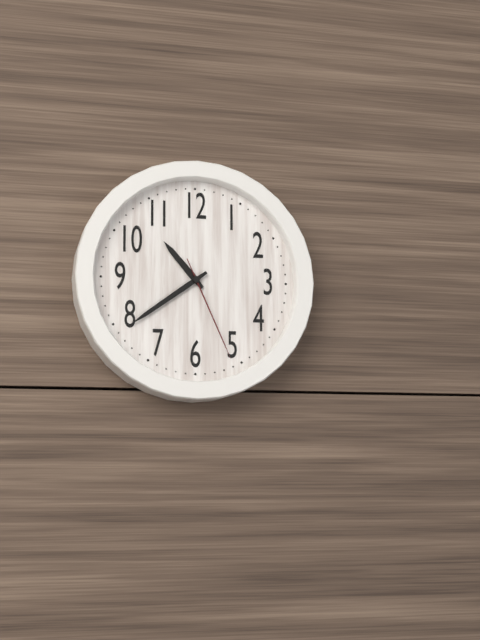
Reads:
{"hour": 10, "minute": 39, "second": 26}
